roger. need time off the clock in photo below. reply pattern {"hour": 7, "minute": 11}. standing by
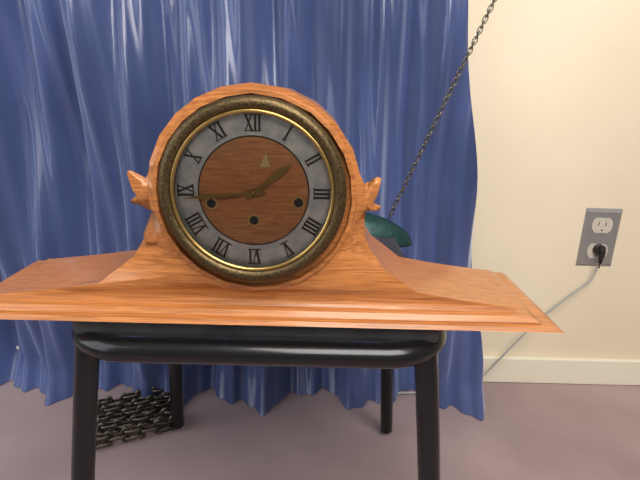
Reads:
{"hour": 1, "minute": 44}
